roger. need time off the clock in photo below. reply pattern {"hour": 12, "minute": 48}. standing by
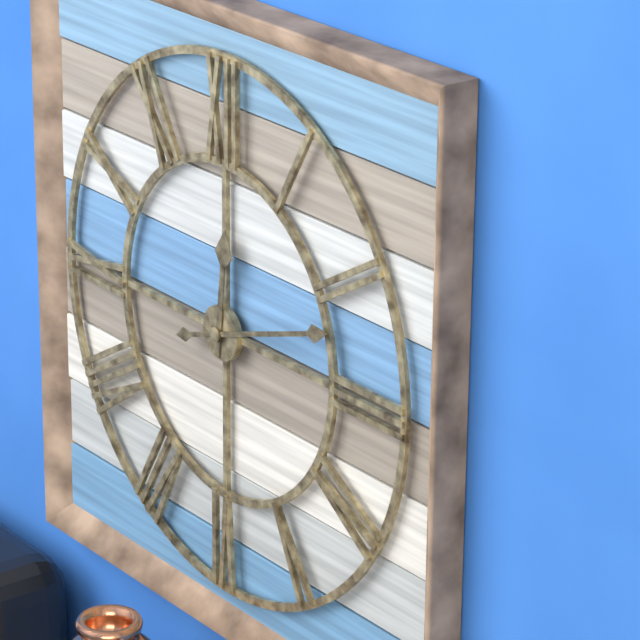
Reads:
{"hour": 12, "minute": 12}
